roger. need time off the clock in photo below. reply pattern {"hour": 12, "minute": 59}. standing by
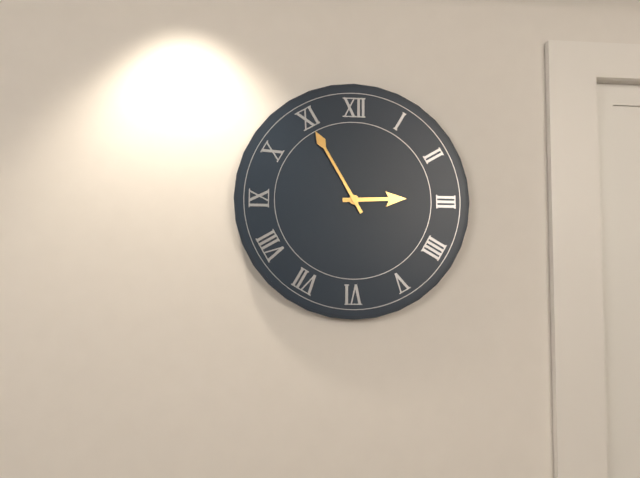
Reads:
{"hour": 2, "minute": 55}
